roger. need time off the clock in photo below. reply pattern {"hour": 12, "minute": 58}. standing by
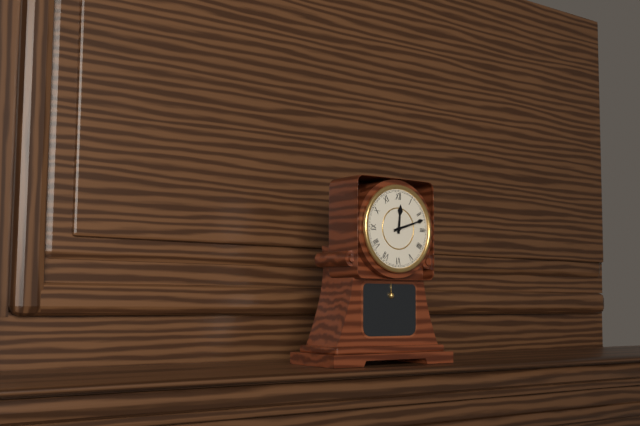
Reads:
{"hour": 12, "minute": 12}
